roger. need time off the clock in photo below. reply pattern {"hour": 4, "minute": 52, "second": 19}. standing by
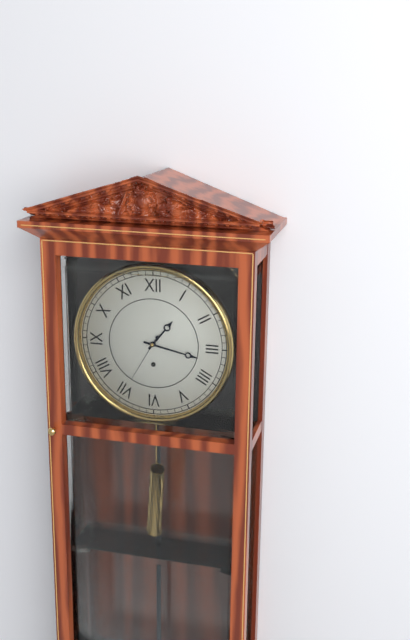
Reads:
{"hour": 1, "minute": 17, "second": 35}
